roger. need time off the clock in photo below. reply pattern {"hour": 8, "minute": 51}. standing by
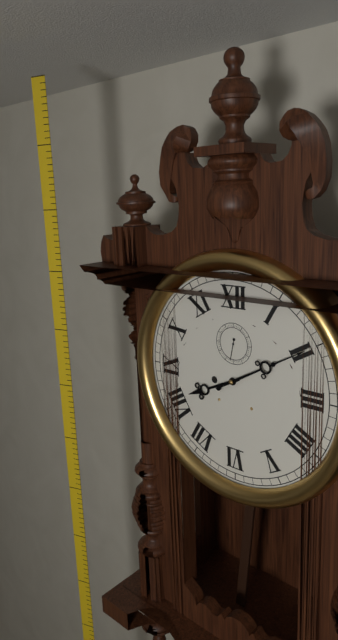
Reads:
{"hour": 8, "minute": 10}
